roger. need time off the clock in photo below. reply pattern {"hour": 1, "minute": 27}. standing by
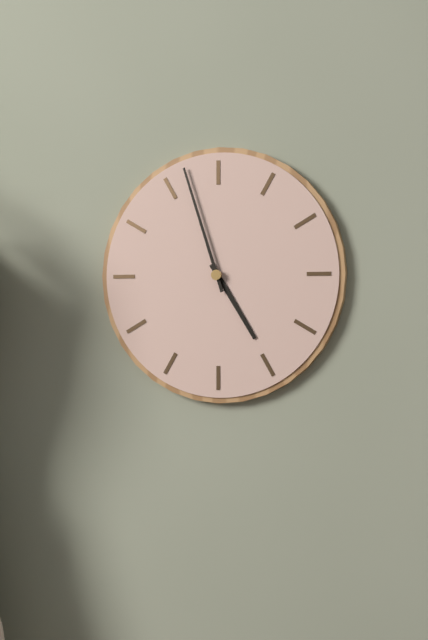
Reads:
{"hour": 4, "minute": 57}
